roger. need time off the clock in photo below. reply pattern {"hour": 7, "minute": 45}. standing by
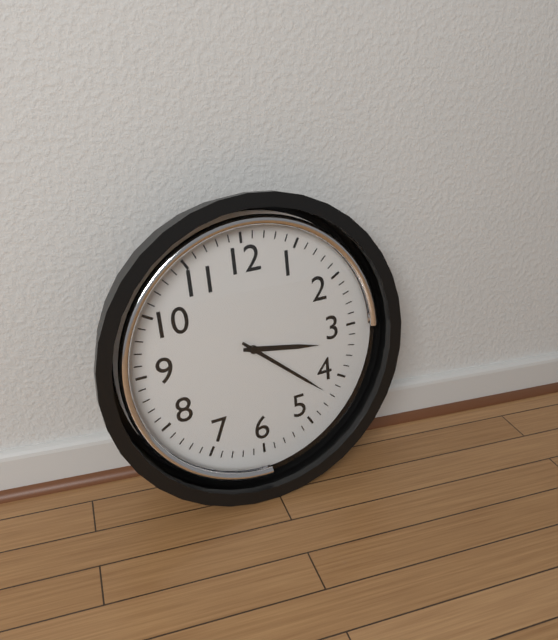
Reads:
{"hour": 3, "minute": 22}
